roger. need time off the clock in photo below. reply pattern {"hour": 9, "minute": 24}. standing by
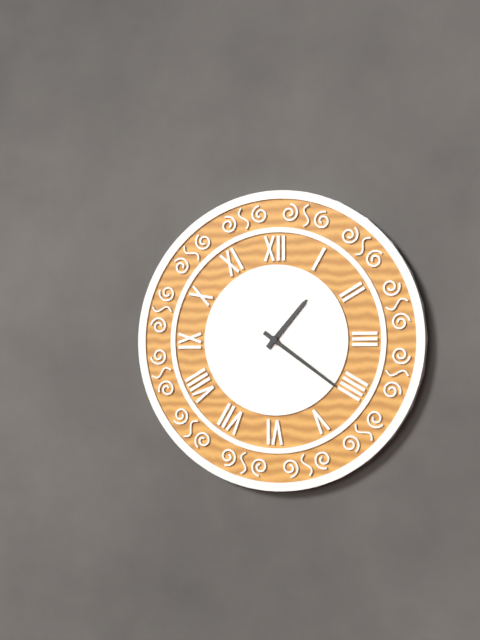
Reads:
{"hour": 1, "minute": 21}
